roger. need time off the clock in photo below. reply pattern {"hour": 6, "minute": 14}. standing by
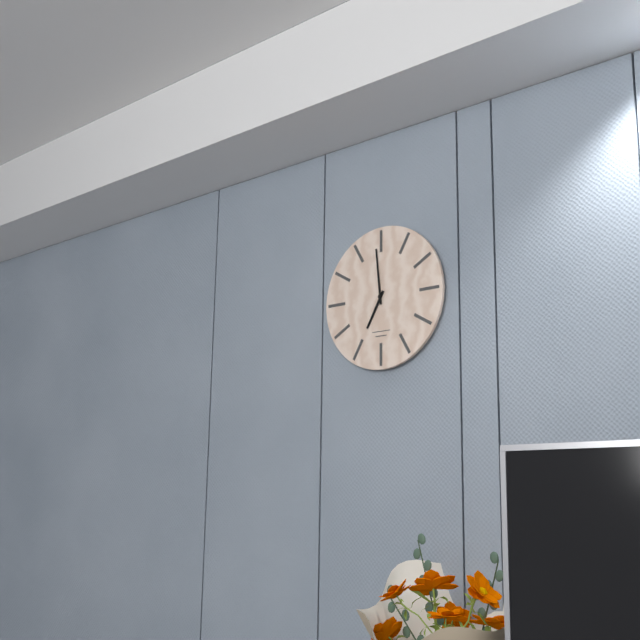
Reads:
{"hour": 6, "minute": 59}
